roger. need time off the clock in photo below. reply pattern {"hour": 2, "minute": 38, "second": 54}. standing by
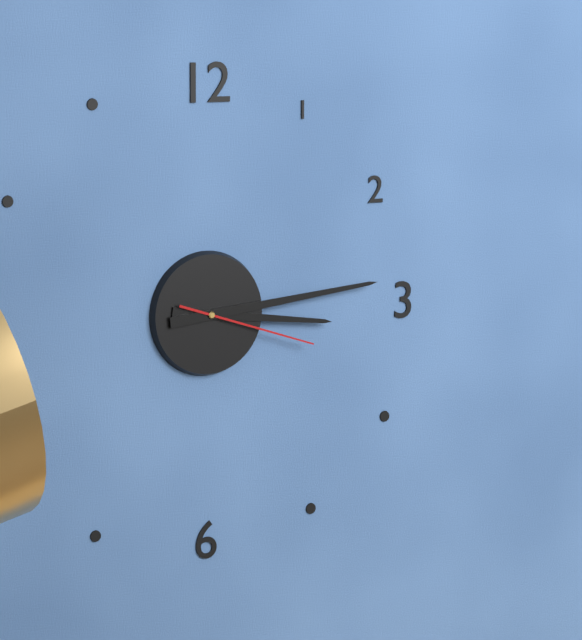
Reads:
{"hour": 3, "minute": 14, "second": 18}
